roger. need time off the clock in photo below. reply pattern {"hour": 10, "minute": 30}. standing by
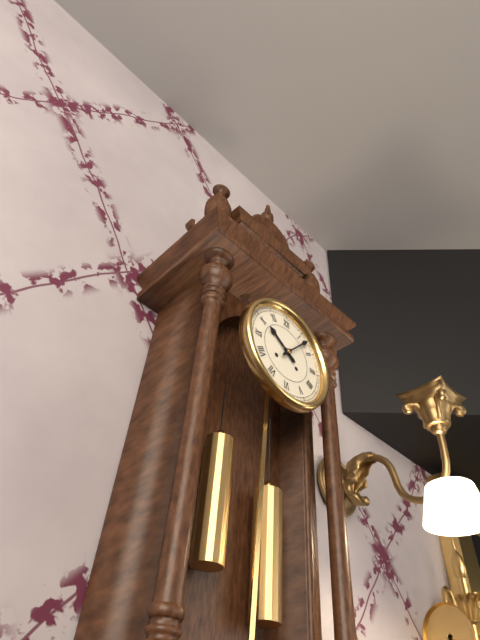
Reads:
{"hour": 10, "minute": 7}
